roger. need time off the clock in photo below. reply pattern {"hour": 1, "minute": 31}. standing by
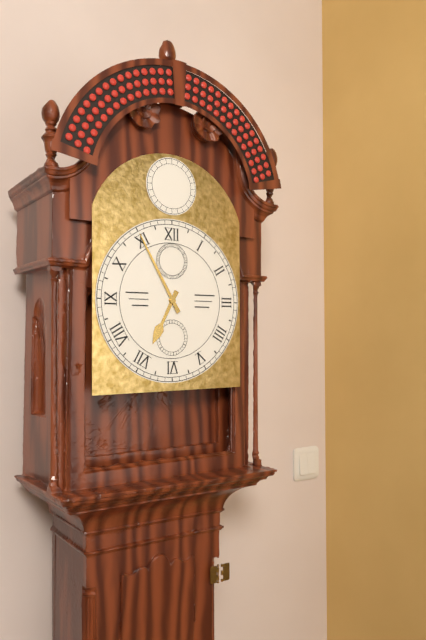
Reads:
{"hour": 6, "minute": 55}
